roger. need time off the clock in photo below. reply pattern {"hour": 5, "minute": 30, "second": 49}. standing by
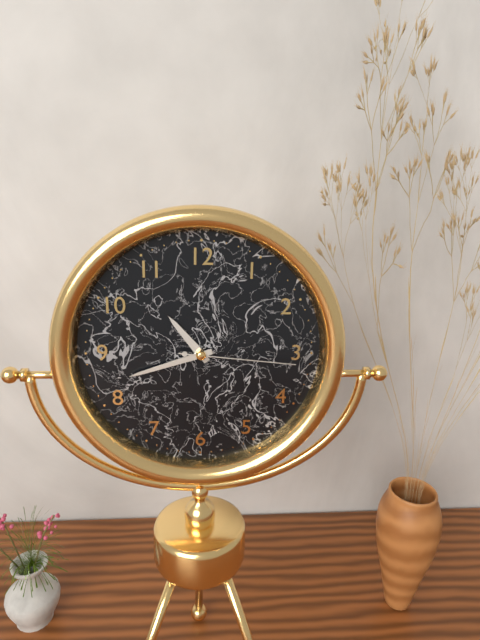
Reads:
{"hour": 10, "minute": 42, "second": 16}
